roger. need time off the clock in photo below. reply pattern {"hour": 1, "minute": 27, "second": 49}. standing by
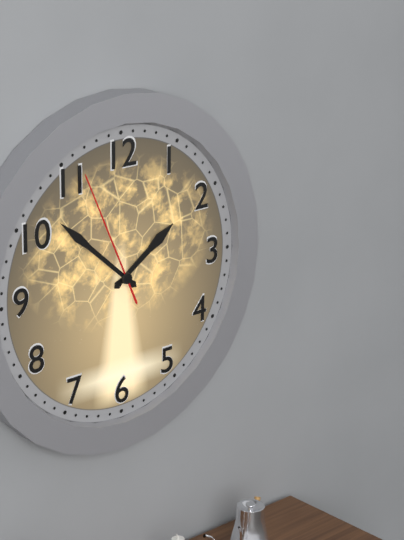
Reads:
{"hour": 1, "minute": 52, "second": 56}
